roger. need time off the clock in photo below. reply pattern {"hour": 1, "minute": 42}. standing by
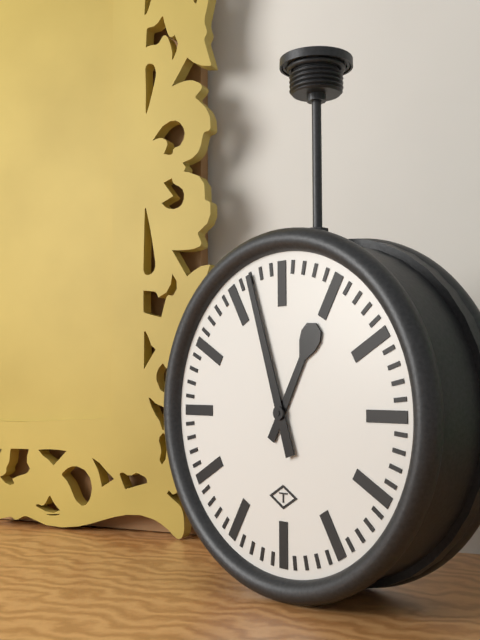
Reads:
{"hour": 12, "minute": 57}
